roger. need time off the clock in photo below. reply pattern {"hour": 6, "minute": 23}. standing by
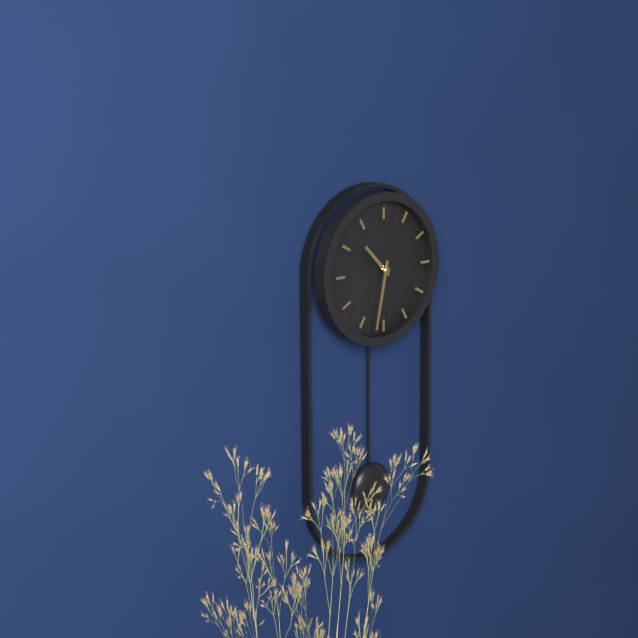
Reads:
{"hour": 10, "minute": 32}
